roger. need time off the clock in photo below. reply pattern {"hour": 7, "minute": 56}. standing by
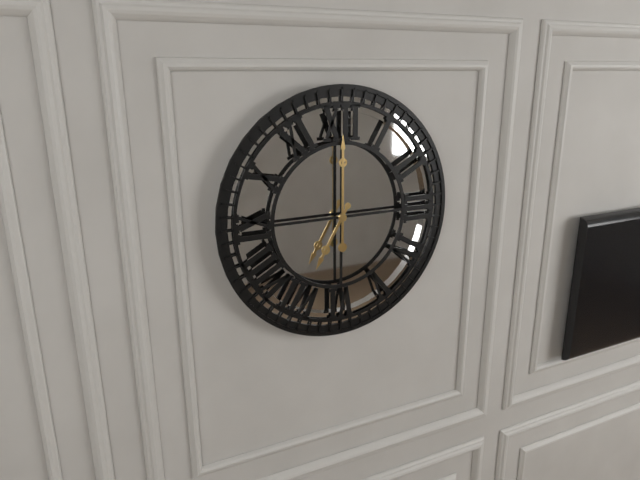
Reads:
{"hour": 7, "minute": 0}
